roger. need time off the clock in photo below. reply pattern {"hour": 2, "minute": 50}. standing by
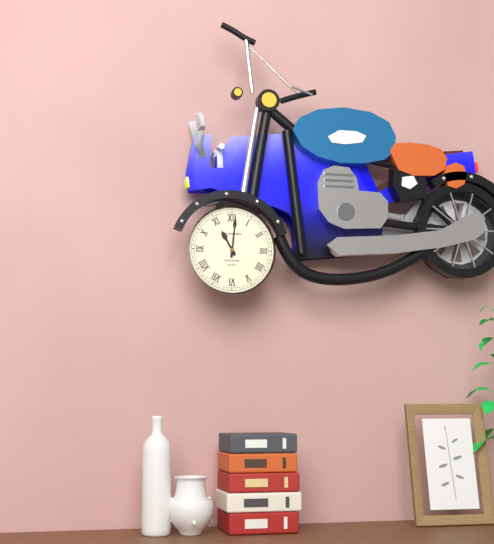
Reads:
{"hour": 11, "minute": 1}
